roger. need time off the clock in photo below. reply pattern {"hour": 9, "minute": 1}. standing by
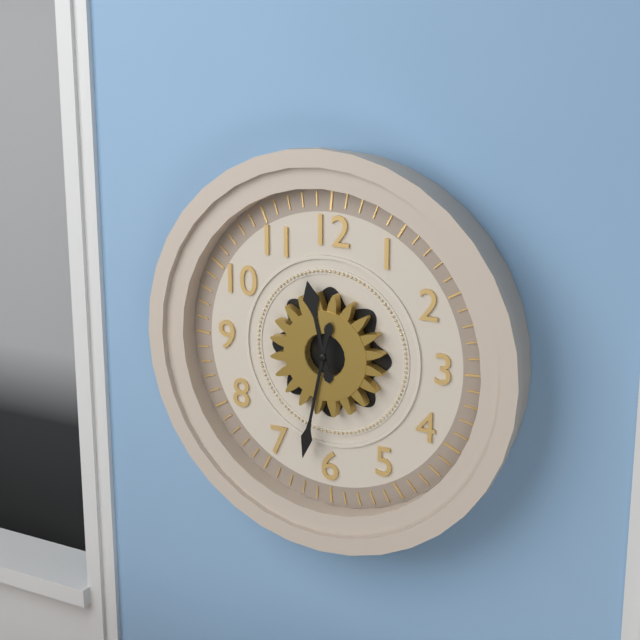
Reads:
{"hour": 11, "minute": 32}
